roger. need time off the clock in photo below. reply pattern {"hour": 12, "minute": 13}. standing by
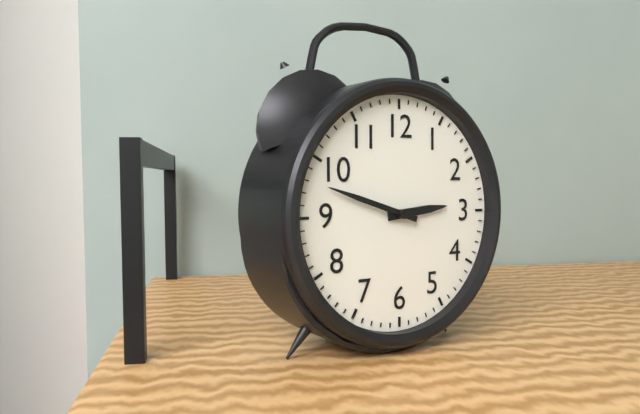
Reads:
{"hour": 2, "minute": 48}
